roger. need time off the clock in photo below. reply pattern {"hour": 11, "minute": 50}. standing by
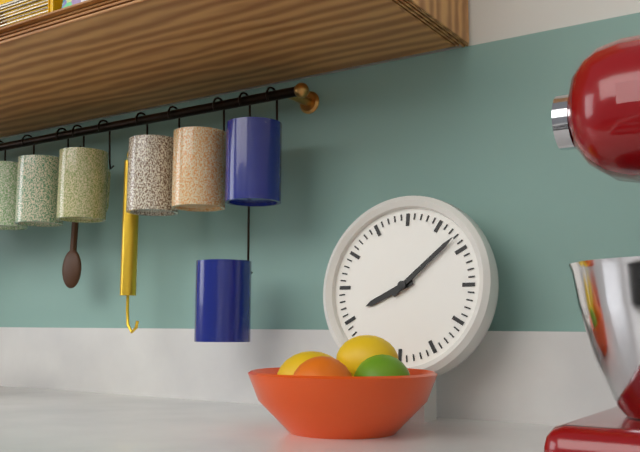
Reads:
{"hour": 8, "minute": 8}
